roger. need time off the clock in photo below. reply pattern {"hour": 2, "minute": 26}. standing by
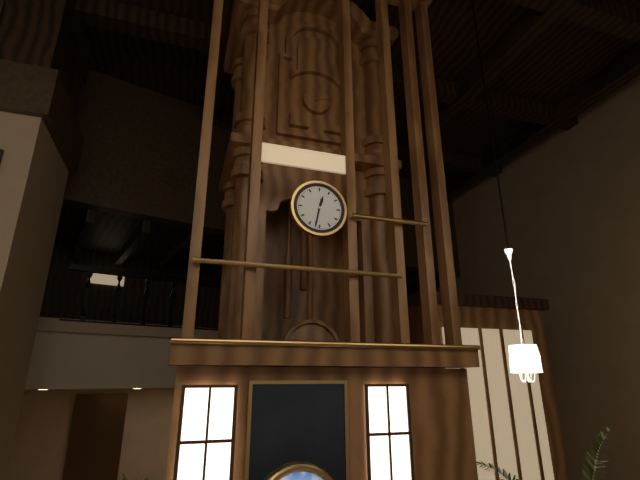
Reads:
{"hour": 12, "minute": 32}
